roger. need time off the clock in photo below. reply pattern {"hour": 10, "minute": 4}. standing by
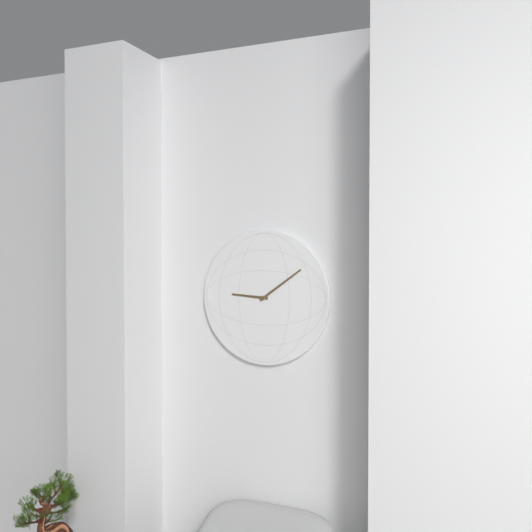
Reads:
{"hour": 9, "minute": 9}
